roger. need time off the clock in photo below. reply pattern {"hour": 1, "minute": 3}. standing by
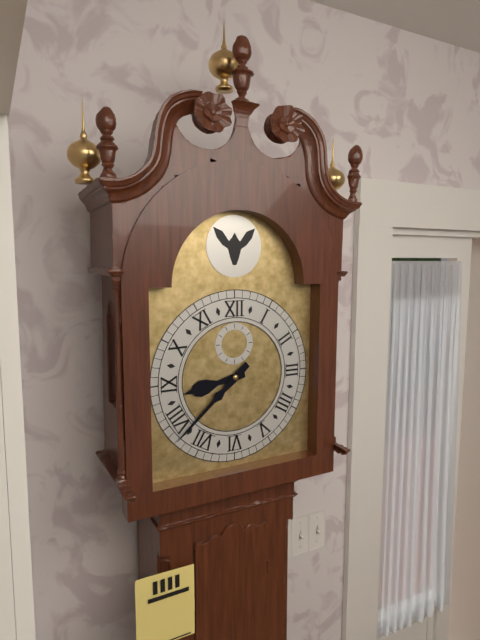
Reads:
{"hour": 8, "minute": 38}
